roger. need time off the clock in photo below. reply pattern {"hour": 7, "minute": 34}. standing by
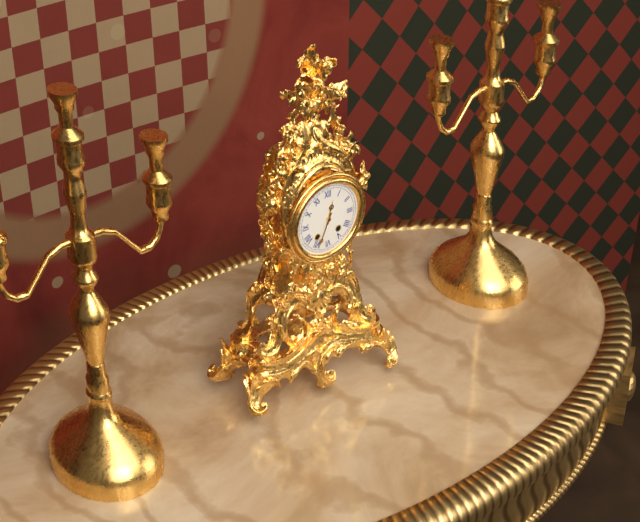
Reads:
{"hour": 12, "minute": 34}
